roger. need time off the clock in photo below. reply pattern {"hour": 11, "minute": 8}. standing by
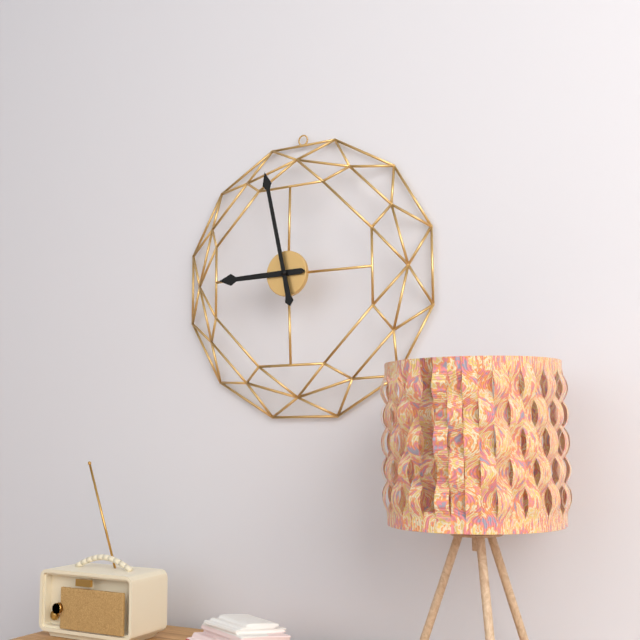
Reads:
{"hour": 8, "minute": 58}
